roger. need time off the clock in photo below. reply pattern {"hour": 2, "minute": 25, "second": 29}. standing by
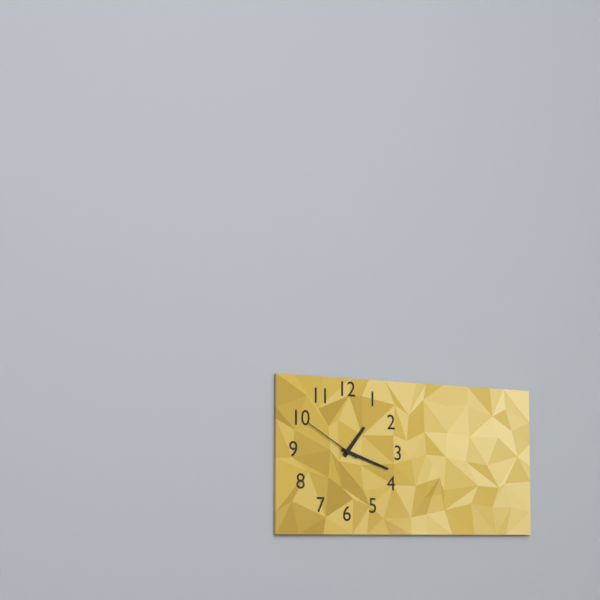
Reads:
{"hour": 1, "minute": 18, "second": 50}
